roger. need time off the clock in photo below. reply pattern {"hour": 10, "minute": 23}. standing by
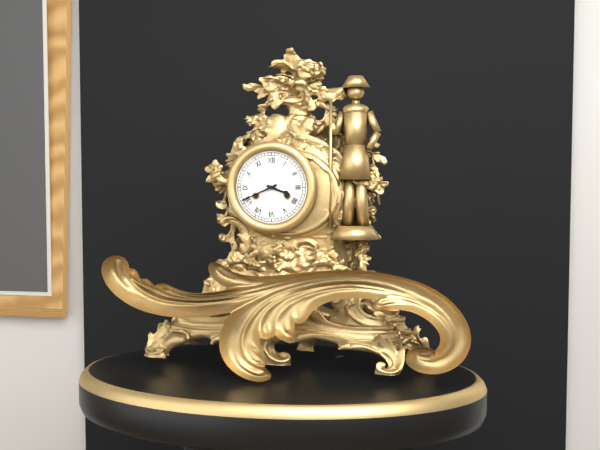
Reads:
{"hour": 3, "minute": 41}
